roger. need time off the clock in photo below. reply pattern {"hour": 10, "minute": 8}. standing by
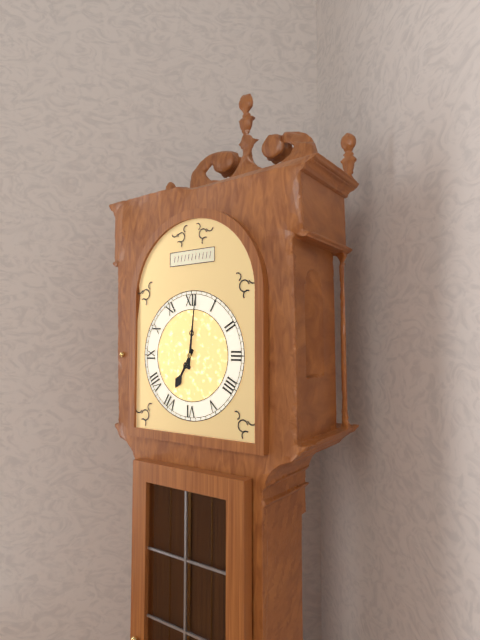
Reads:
{"hour": 7, "minute": 1}
